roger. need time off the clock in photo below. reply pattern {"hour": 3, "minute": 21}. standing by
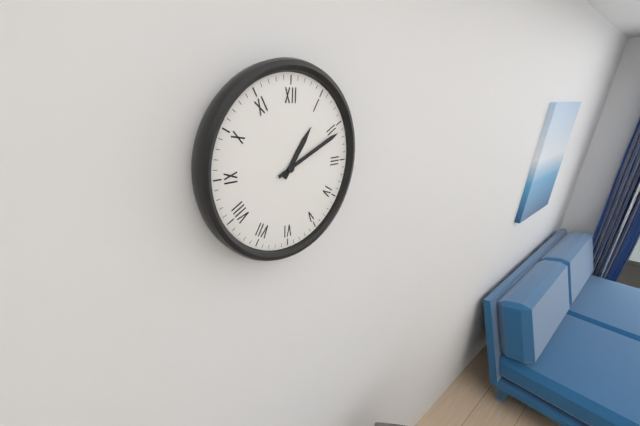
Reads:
{"hour": 1, "minute": 11}
